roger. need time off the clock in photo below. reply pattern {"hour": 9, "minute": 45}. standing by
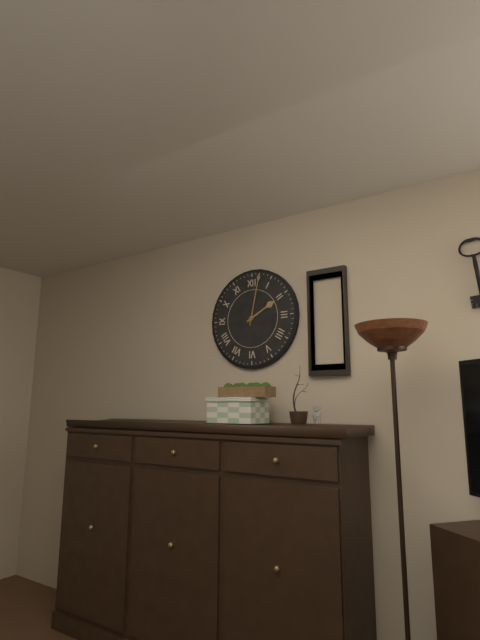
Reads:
{"hour": 2, "minute": 2}
